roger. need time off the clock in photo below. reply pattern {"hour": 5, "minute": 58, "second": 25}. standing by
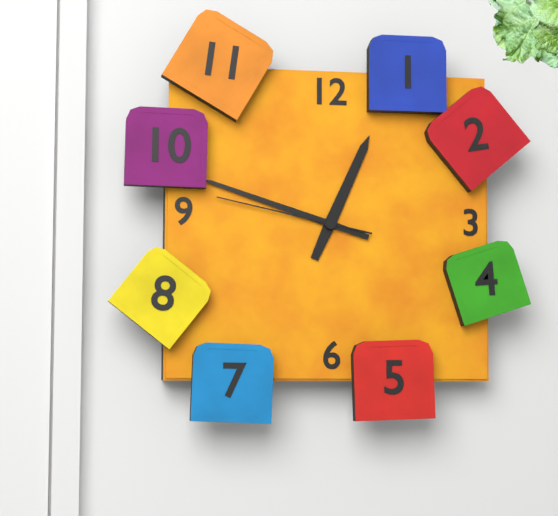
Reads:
{"hour": 12, "minute": 48, "second": 47}
